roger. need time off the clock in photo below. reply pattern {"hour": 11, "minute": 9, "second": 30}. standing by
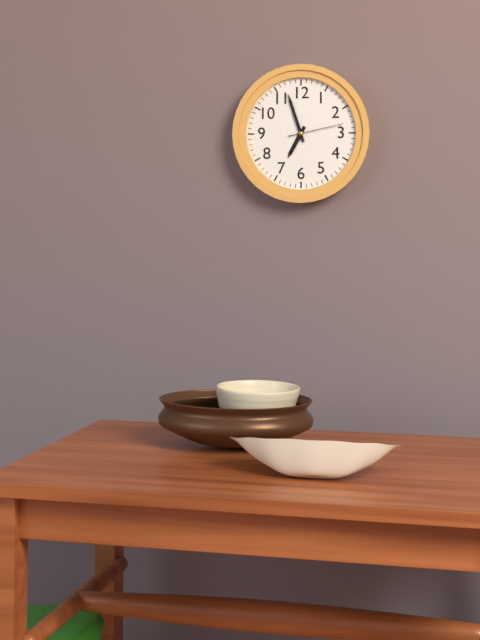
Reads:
{"hour": 6, "minute": 57, "second": 13}
